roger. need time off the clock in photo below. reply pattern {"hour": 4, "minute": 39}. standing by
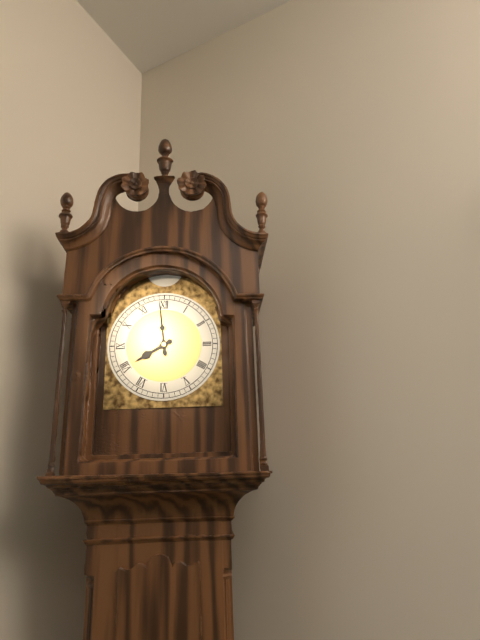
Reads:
{"hour": 7, "minute": 59}
